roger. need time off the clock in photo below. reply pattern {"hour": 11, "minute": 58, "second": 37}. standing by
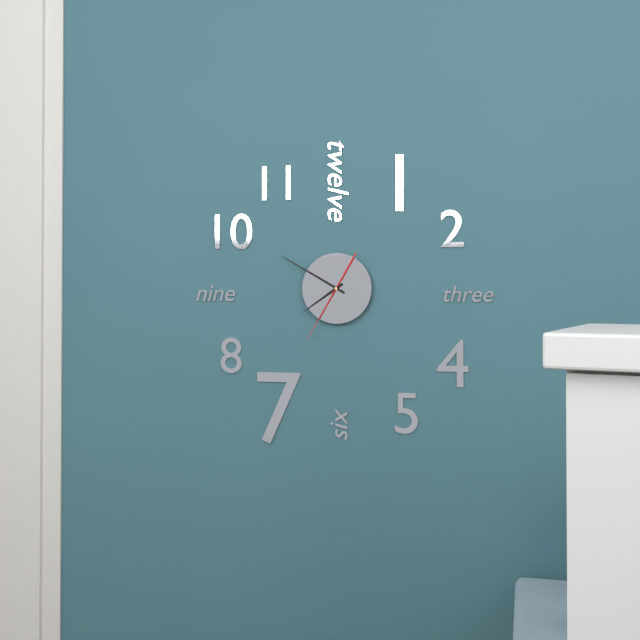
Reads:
{"hour": 7, "minute": 50, "second": 35}
